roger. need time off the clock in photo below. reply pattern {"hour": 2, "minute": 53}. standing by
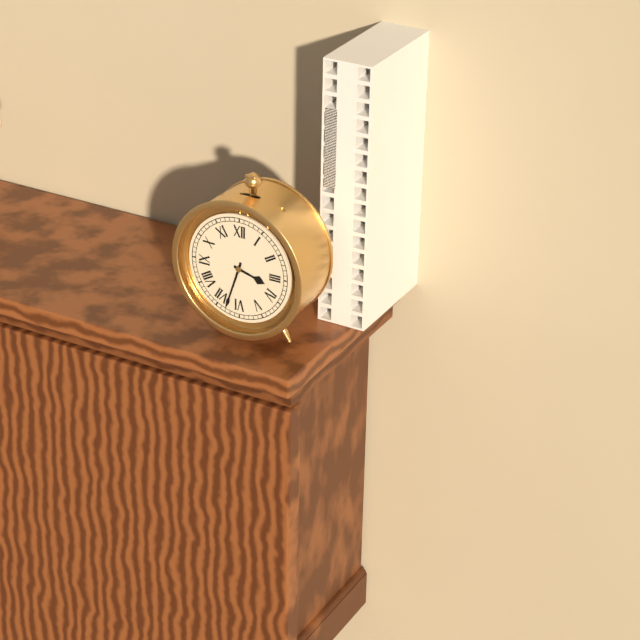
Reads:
{"hour": 3, "minute": 33}
